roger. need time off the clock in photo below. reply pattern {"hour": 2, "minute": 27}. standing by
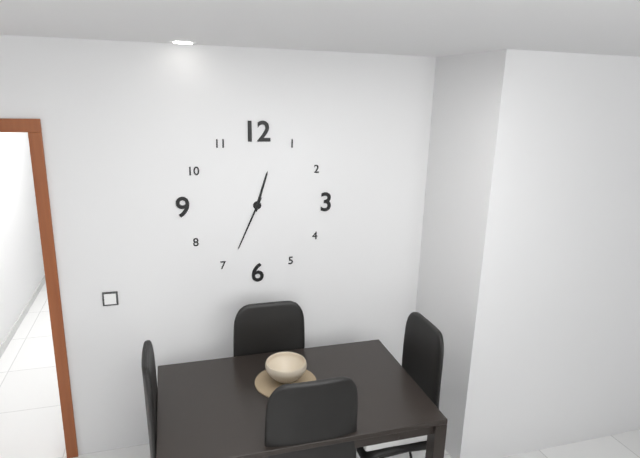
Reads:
{"hour": 12, "minute": 34}
